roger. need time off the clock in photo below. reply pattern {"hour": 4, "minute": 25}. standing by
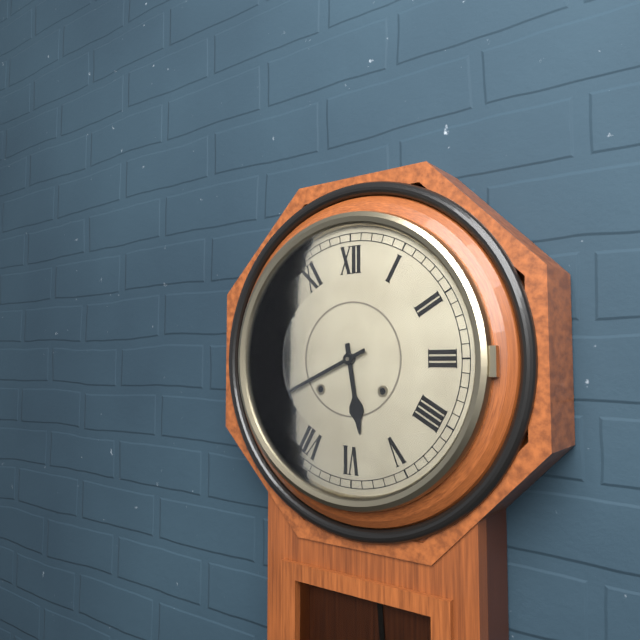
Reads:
{"hour": 5, "minute": 41}
